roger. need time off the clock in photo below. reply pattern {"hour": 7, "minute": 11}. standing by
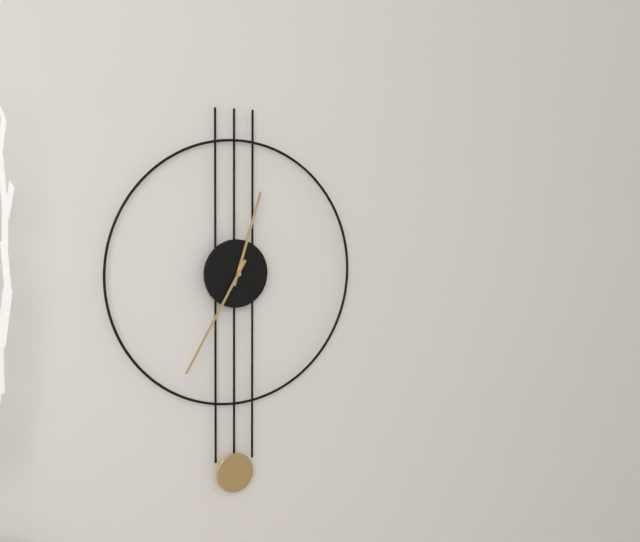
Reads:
{"hour": 12, "minute": 35}
